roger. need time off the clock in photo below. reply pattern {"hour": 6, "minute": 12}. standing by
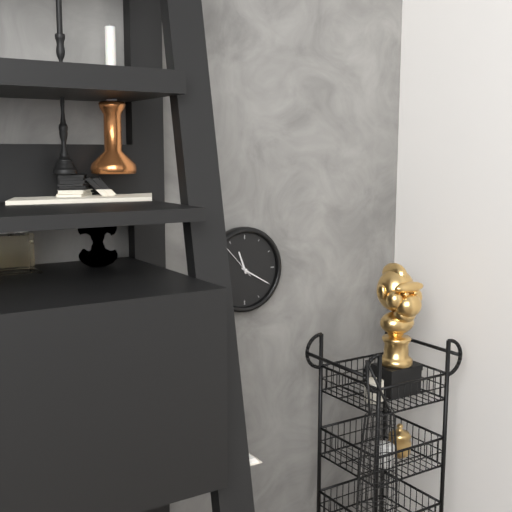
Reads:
{"hour": 11, "minute": 20}
